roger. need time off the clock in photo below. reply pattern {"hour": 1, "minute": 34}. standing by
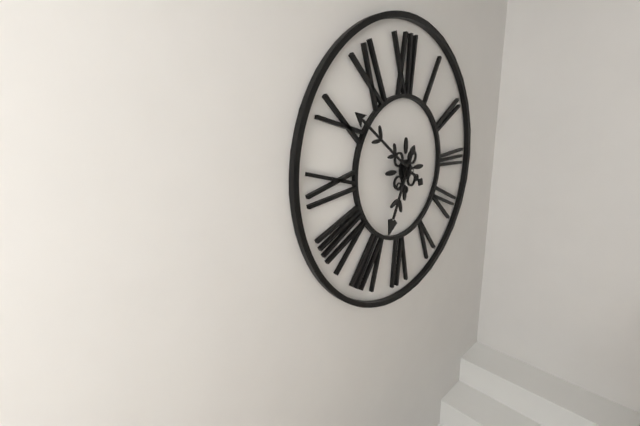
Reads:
{"hour": 6, "minute": 51}
